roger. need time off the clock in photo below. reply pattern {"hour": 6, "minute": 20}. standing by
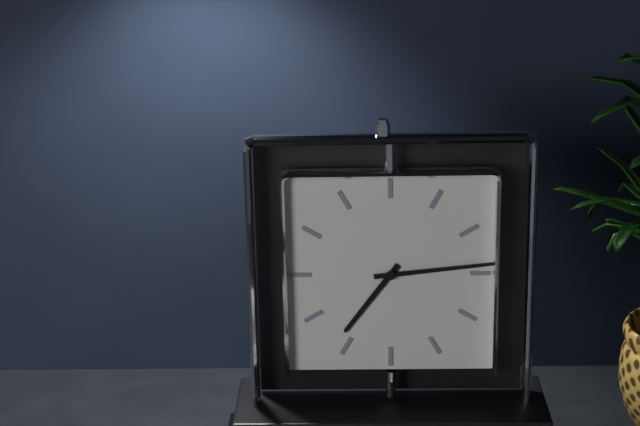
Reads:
{"hour": 7, "minute": 14}
